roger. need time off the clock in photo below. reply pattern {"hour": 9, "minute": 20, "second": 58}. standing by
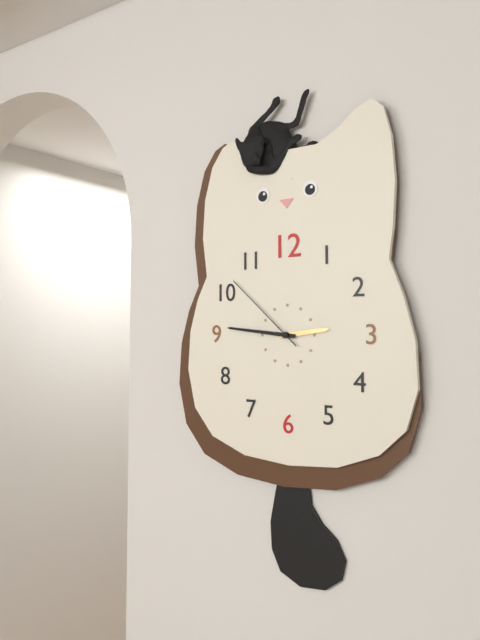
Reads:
{"hour": 2, "minute": 46, "second": 52}
